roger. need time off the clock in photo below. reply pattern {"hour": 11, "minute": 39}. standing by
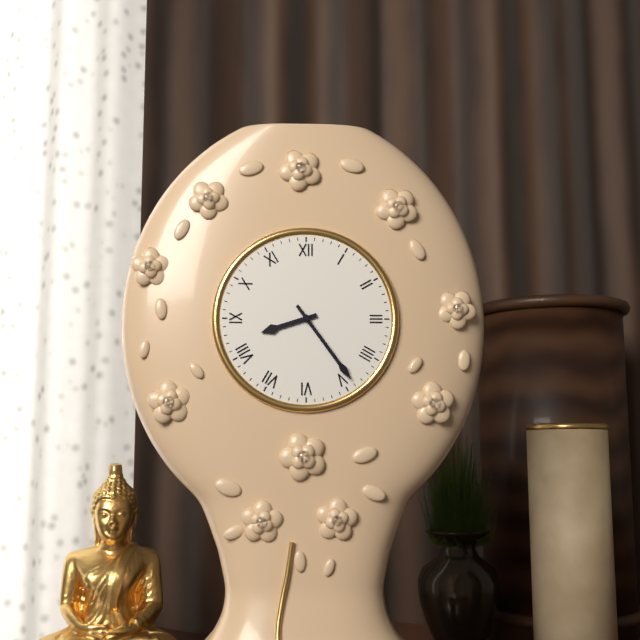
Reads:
{"hour": 8, "minute": 24}
